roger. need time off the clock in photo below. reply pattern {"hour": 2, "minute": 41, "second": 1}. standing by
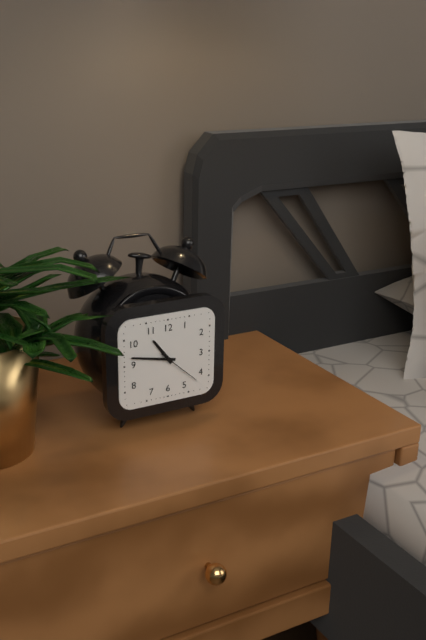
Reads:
{"hour": 10, "minute": 47, "second": 22}
